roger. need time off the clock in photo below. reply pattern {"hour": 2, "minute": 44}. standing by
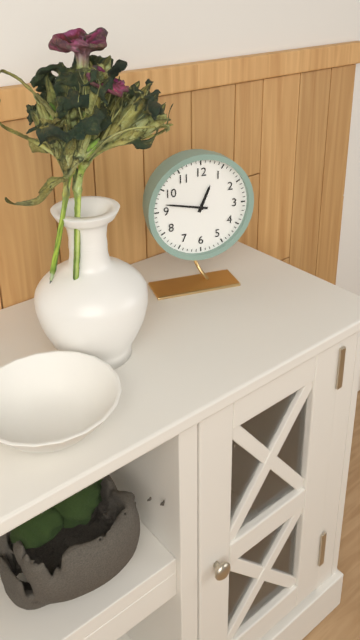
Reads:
{"hour": 12, "minute": 47}
